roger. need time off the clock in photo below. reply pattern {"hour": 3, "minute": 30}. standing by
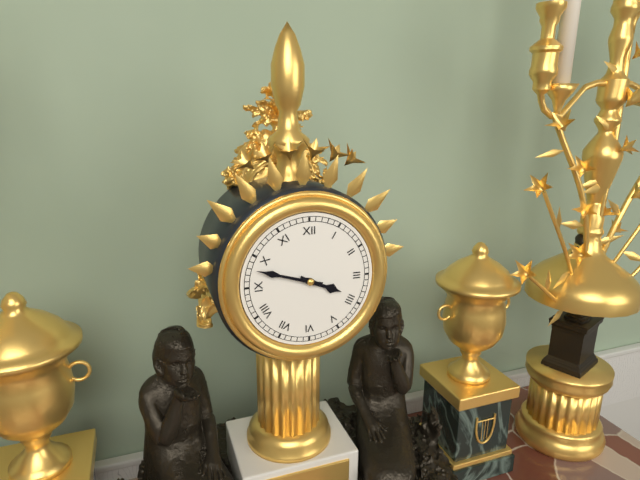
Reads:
{"hour": 3, "minute": 48}
